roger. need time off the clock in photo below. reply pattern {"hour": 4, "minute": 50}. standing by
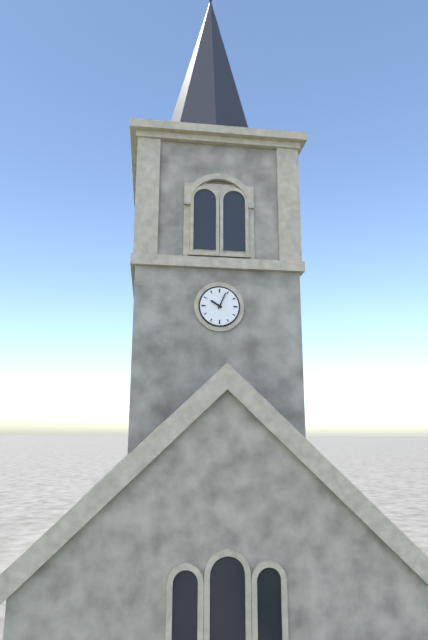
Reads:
{"hour": 10, "minute": 4}
